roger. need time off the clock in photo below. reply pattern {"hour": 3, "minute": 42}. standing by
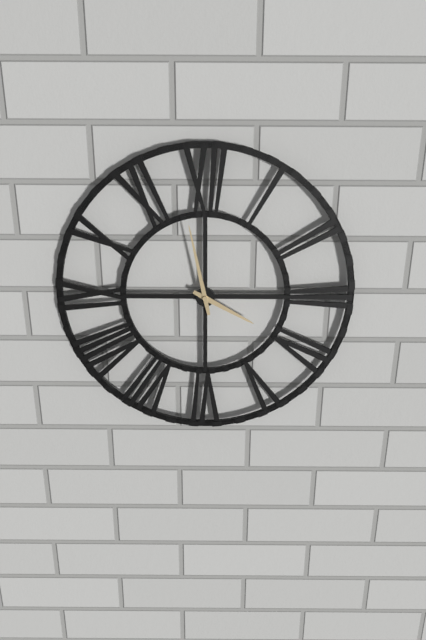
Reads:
{"hour": 3, "minute": 58}
